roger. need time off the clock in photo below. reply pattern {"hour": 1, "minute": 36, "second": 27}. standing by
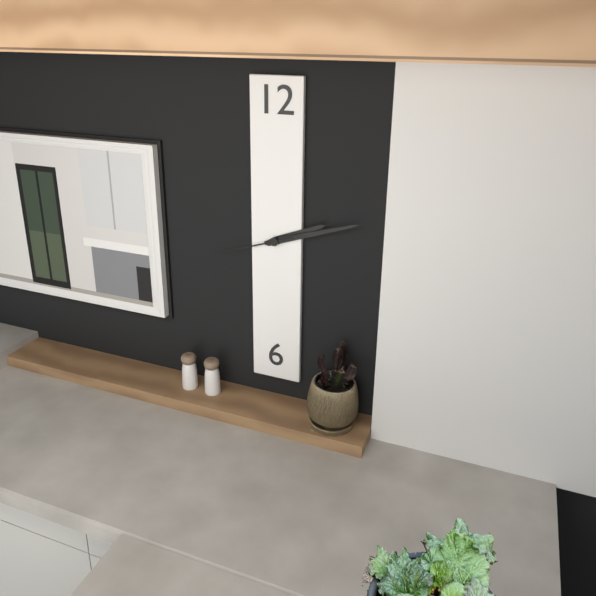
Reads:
{"hour": 2, "minute": 12, "second": 42}
